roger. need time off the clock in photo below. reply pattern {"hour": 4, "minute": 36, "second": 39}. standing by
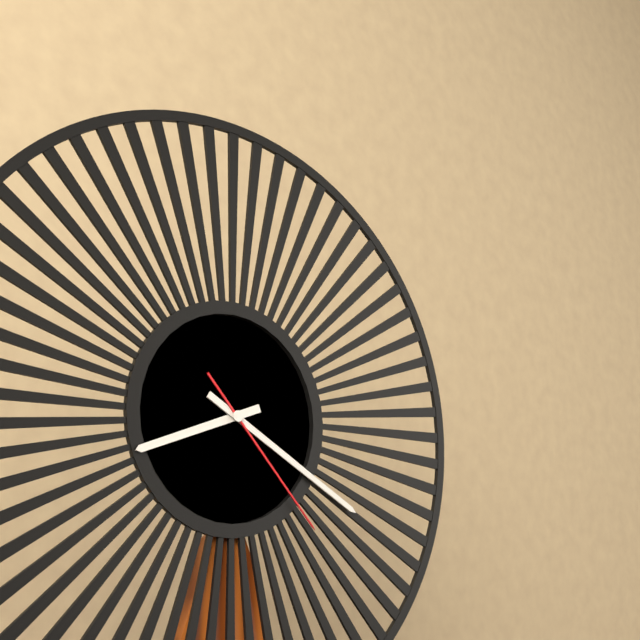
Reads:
{"hour": 8, "minute": 20, "second": 23}
